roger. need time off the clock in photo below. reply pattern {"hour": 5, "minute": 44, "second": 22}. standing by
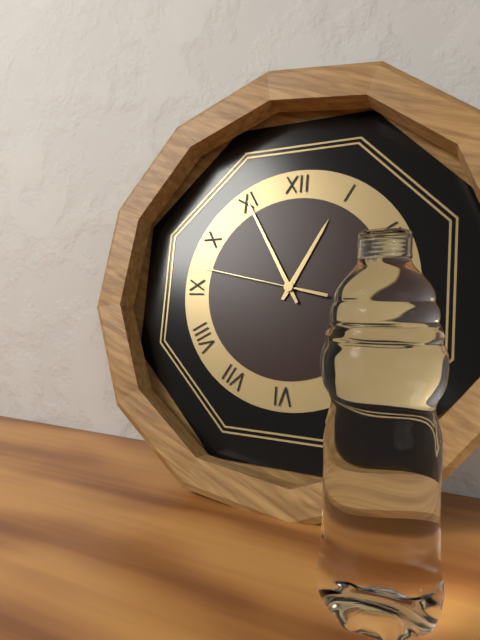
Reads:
{"hour": 12, "minute": 55, "second": 47}
